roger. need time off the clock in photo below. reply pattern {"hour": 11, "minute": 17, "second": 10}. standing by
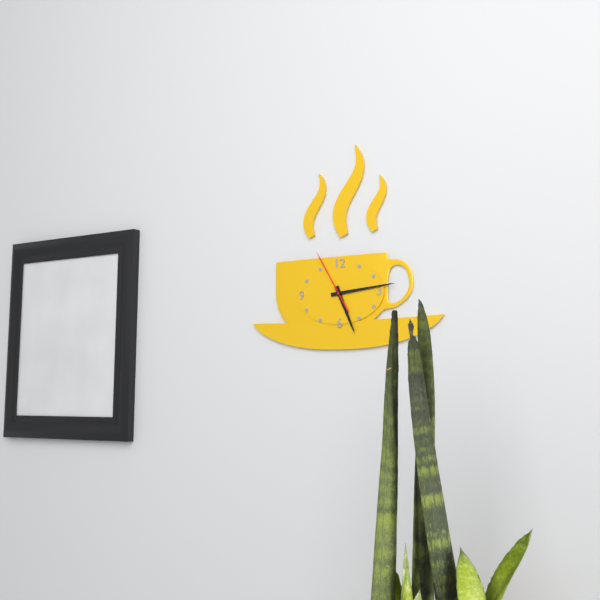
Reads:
{"hour": 5, "minute": 14, "second": 55}
